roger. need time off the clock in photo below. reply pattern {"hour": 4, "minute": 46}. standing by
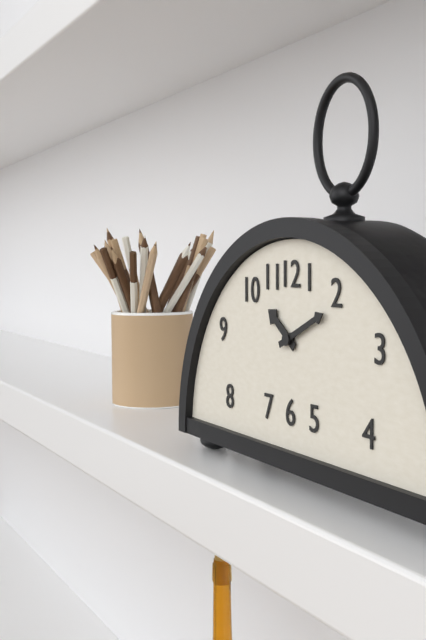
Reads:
{"hour": 10, "minute": 11}
